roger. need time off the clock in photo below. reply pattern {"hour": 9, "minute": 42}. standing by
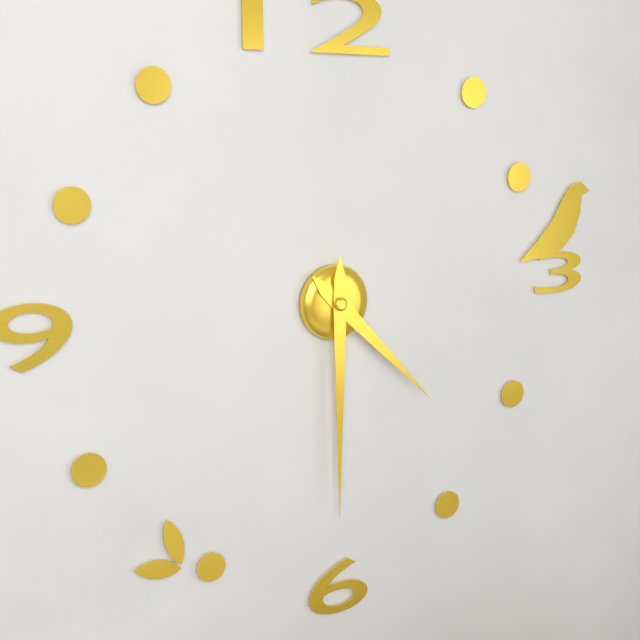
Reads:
{"hour": 4, "minute": 30}
